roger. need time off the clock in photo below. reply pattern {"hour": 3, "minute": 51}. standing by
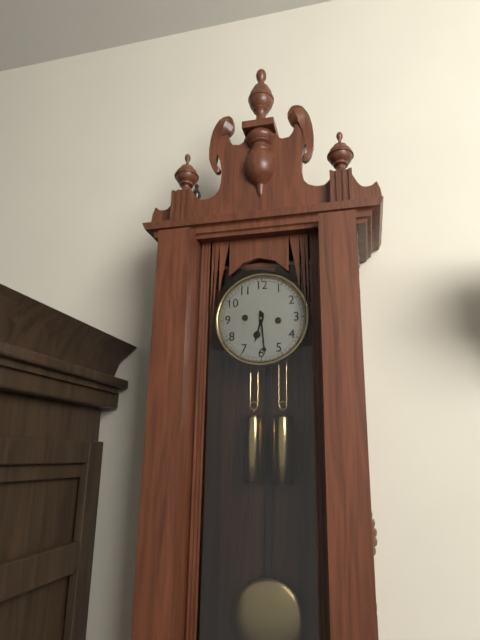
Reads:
{"hour": 6, "minute": 29}
